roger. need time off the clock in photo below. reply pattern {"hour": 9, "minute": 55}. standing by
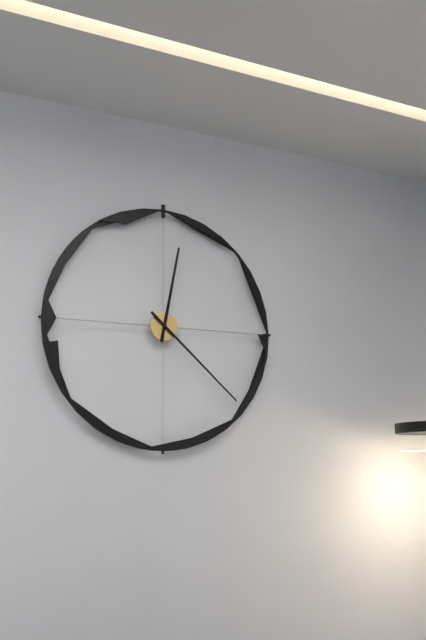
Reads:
{"hour": 12, "minute": 22}
